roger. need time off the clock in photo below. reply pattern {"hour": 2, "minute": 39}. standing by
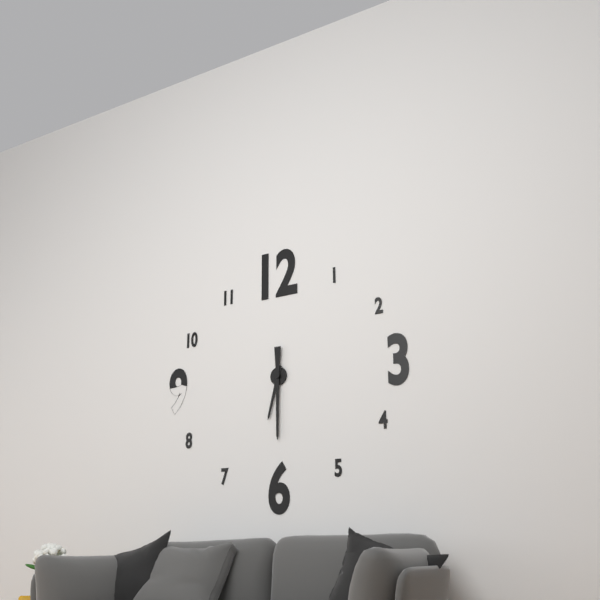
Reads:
{"hour": 6, "minute": 30}
